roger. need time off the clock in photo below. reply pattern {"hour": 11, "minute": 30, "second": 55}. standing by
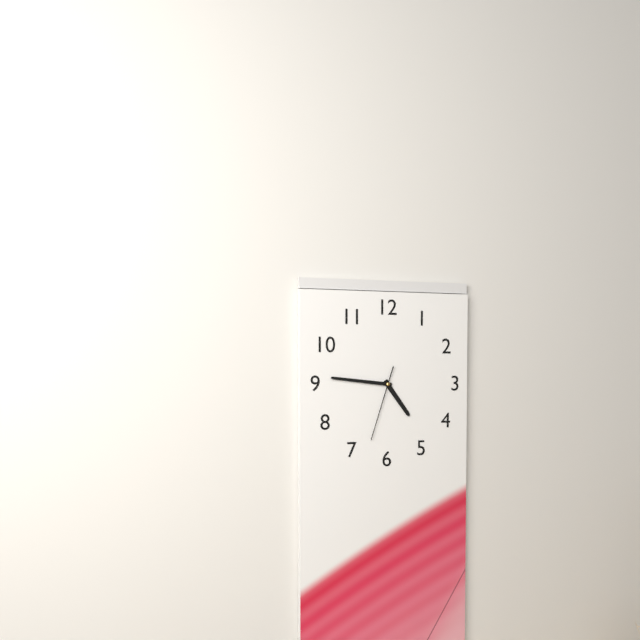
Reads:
{"hour": 4, "minute": 46, "second": 33}
